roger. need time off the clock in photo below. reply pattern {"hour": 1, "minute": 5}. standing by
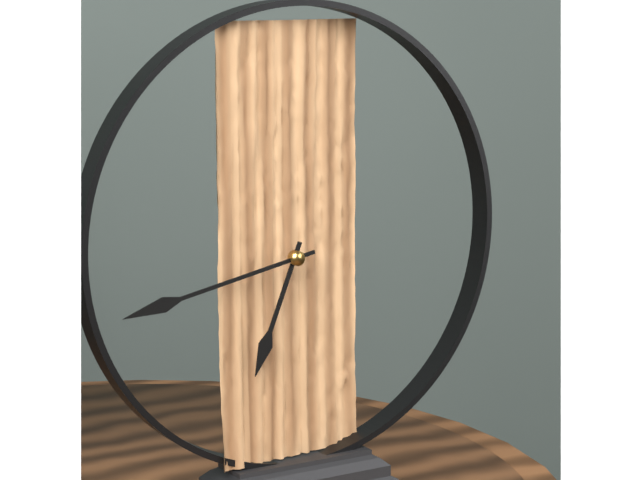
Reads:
{"hour": 6, "minute": 43}
